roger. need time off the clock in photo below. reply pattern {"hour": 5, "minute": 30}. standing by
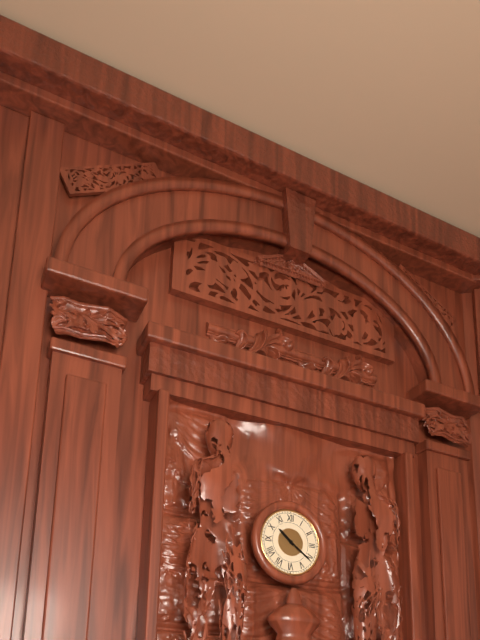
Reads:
{"hour": 10, "minute": 21}
